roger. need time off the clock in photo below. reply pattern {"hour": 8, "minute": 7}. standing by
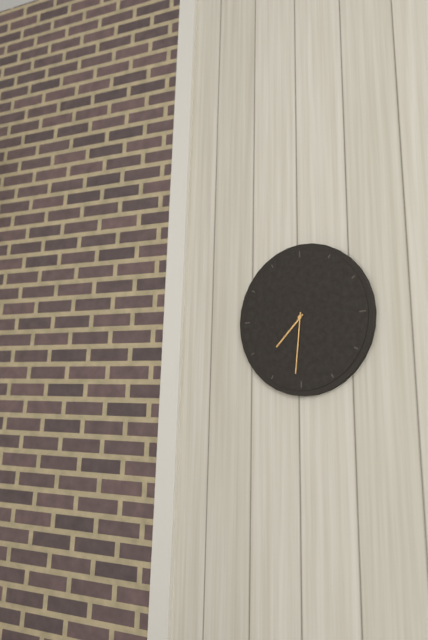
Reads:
{"hour": 7, "minute": 31}
